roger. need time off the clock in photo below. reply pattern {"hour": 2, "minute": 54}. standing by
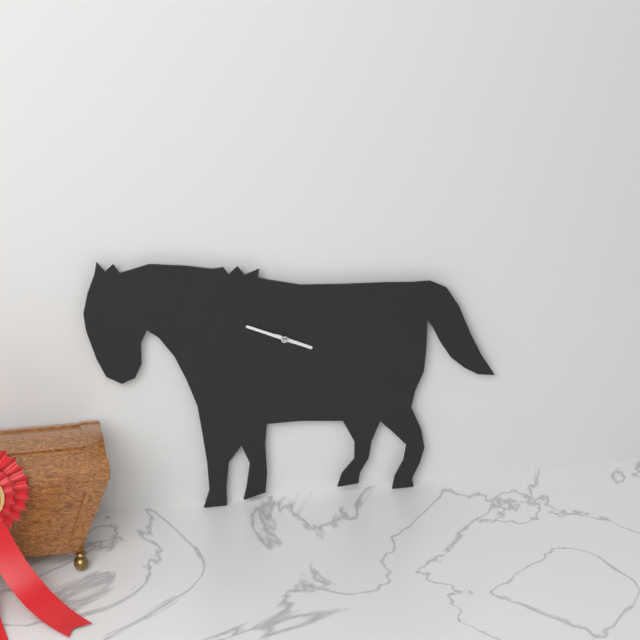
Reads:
{"hour": 3, "minute": 49}
